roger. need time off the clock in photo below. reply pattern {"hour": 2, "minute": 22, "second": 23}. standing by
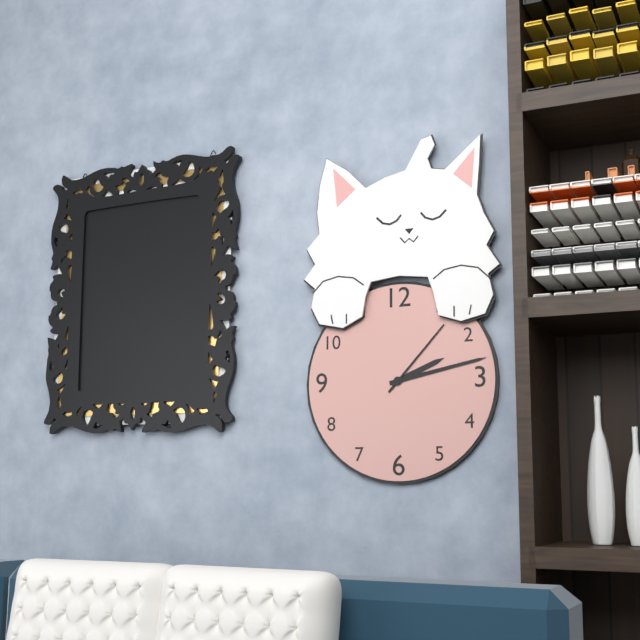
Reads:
{"hour": 2, "minute": 13, "second": 7}
